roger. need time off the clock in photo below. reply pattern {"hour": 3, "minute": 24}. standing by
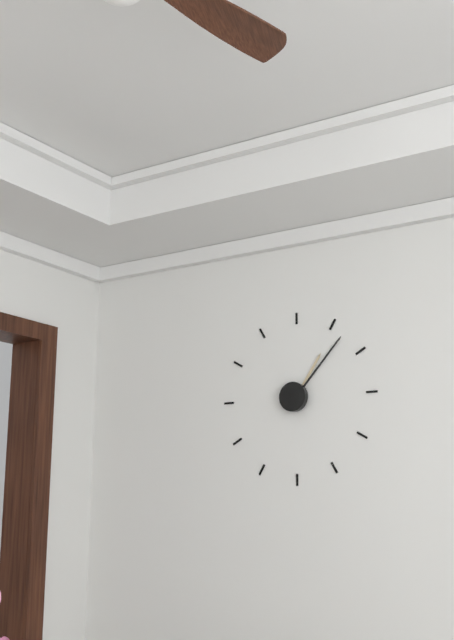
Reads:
{"hour": 1, "minute": 7}
